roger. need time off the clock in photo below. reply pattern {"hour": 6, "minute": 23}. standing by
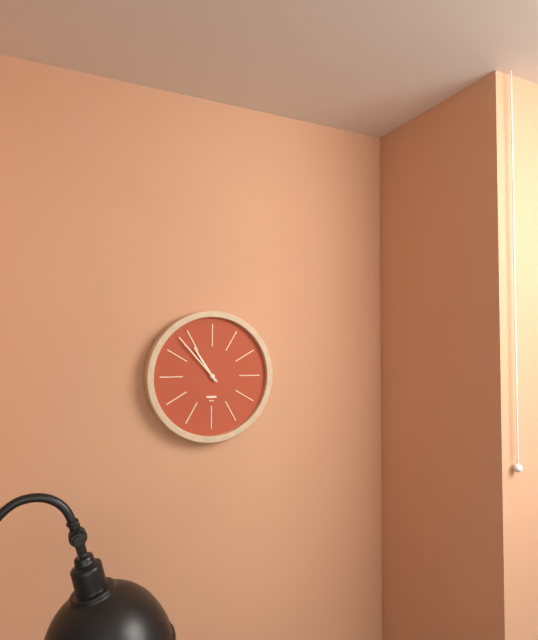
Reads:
{"hour": 10, "minute": 53}
